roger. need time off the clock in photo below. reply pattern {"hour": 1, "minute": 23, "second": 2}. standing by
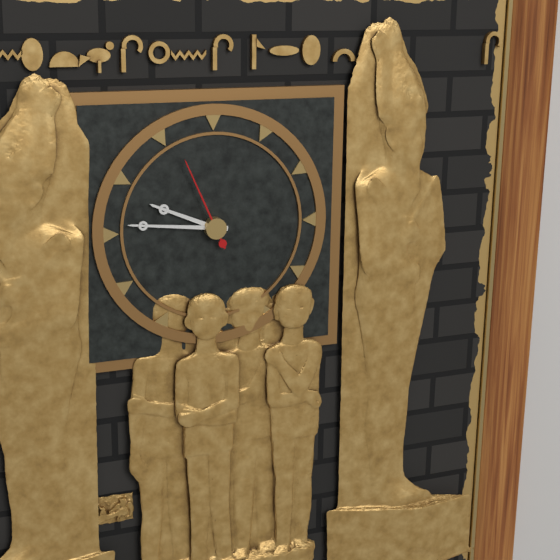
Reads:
{"hour": 9, "minute": 46, "second": 56}
